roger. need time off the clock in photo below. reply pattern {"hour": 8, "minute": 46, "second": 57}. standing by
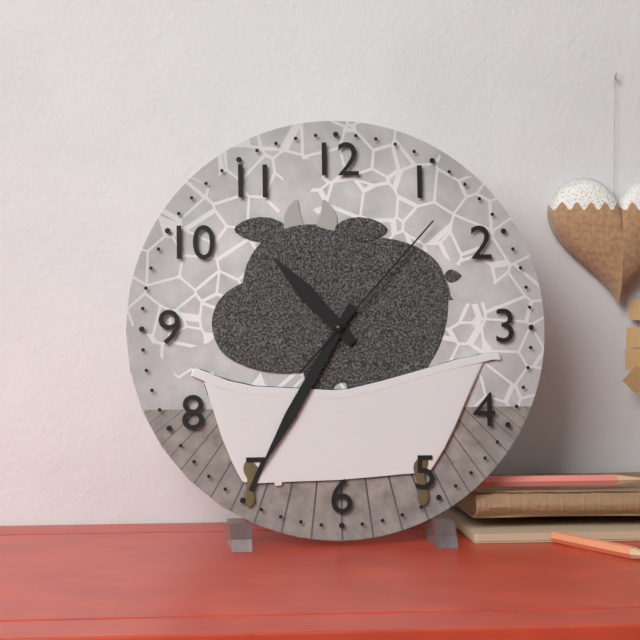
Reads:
{"hour": 10, "minute": 35, "second": 7}
